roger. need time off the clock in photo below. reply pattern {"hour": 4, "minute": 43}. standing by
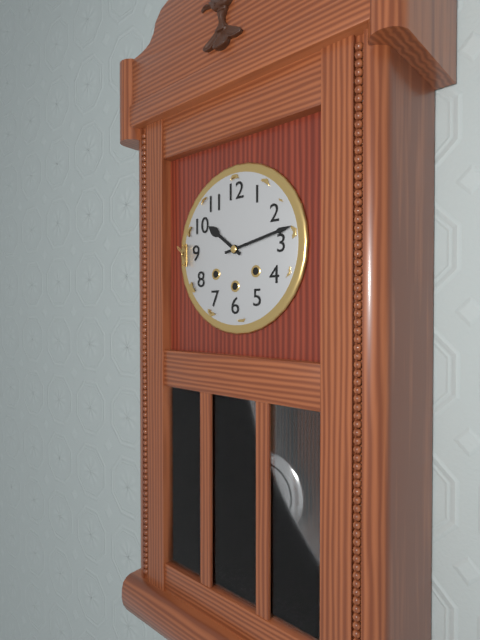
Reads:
{"hour": 10, "minute": 13}
